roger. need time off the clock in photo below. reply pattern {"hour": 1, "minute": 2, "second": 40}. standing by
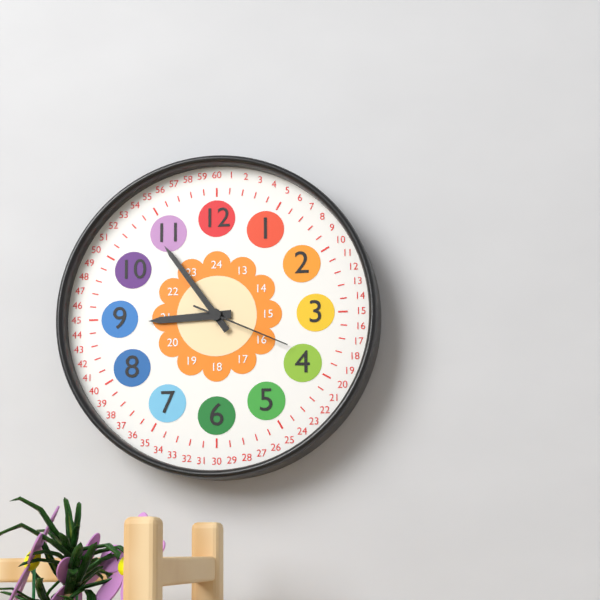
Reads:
{"hour": 8, "minute": 54, "second": 19}
